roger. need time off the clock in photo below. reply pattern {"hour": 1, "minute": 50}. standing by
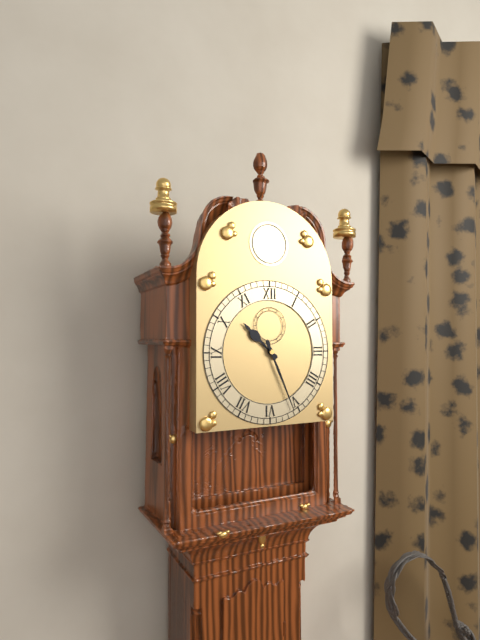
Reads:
{"hour": 10, "minute": 26}
